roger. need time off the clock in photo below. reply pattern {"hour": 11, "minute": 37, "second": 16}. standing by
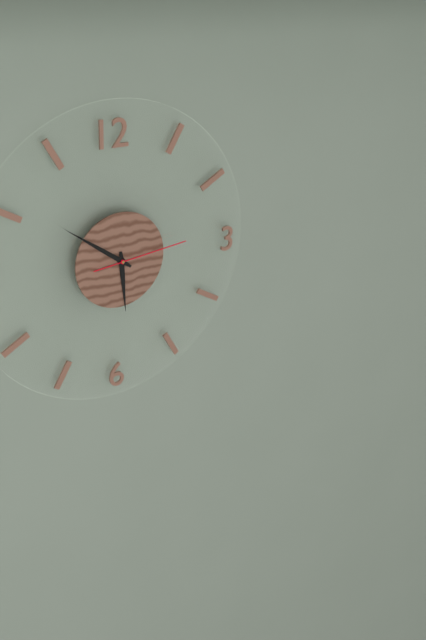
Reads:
{"hour": 5, "minute": 51, "second": 14}
